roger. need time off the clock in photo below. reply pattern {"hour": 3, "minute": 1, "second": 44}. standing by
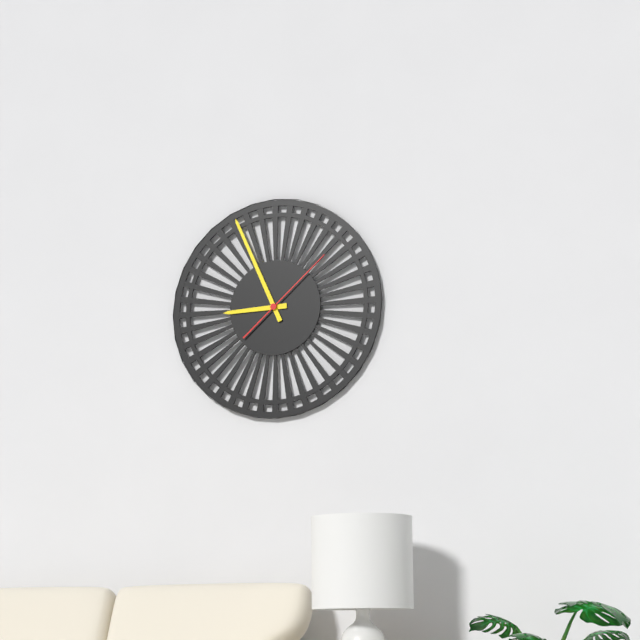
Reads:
{"hour": 8, "minute": 56, "second": 8}
